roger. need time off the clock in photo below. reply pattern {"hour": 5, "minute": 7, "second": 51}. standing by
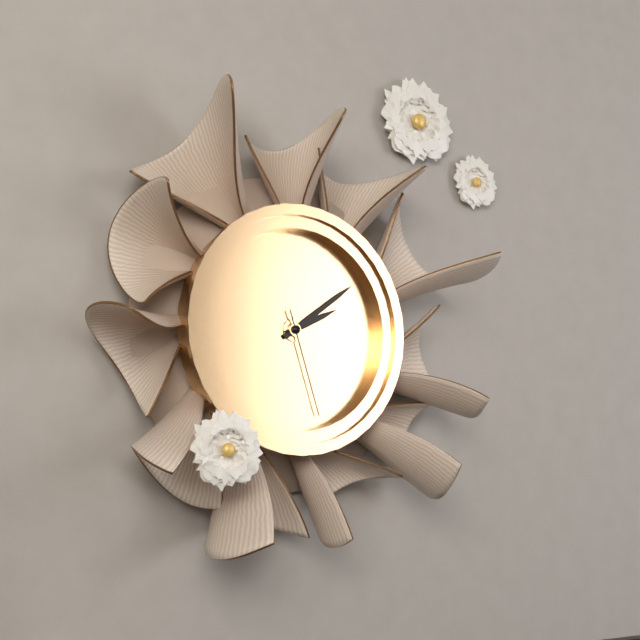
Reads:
{"hour": 2, "minute": 9, "second": 27}
